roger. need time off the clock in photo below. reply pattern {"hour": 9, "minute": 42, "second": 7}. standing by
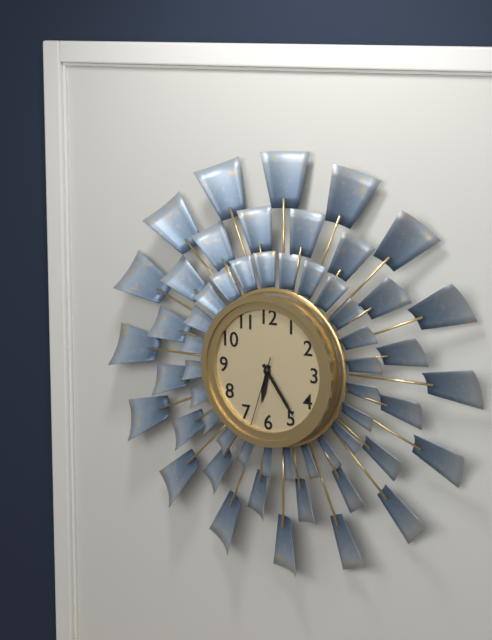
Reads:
{"hour": 6, "minute": 24, "second": 33}
